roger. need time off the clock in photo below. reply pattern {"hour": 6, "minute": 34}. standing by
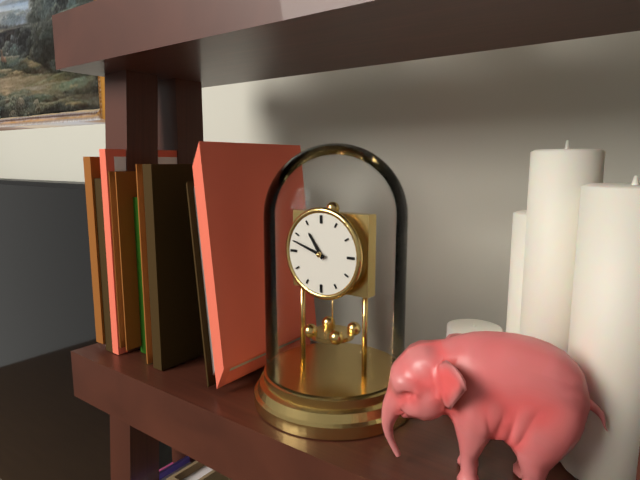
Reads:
{"hour": 10, "minute": 48}
